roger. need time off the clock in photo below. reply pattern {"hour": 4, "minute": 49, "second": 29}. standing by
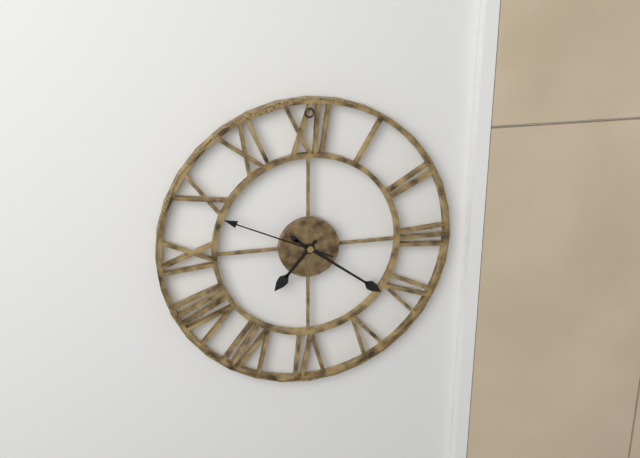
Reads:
{"hour": 7, "minute": 21, "second": 49}
